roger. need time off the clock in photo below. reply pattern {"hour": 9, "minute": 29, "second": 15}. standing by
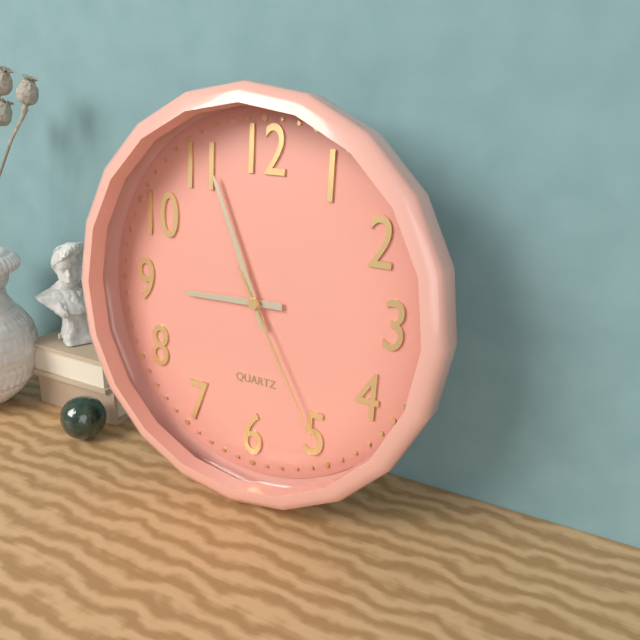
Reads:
{"hour": 8, "minute": 56, "second": 25}
